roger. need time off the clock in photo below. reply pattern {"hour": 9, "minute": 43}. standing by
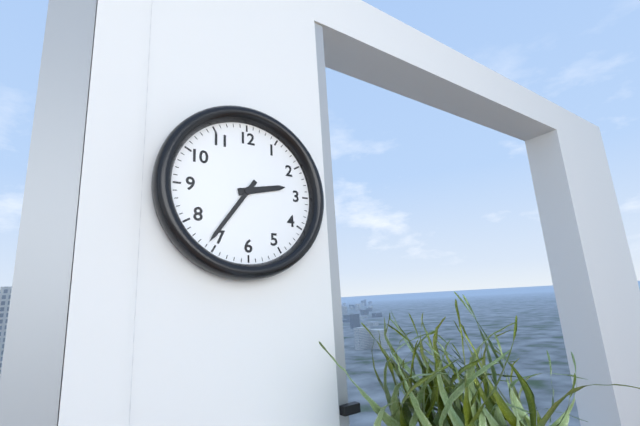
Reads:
{"hour": 2, "minute": 36}
